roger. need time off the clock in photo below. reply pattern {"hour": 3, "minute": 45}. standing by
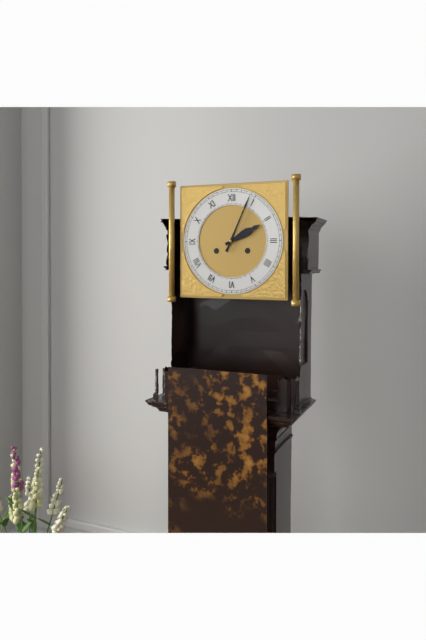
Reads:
{"hour": 2, "minute": 4}
